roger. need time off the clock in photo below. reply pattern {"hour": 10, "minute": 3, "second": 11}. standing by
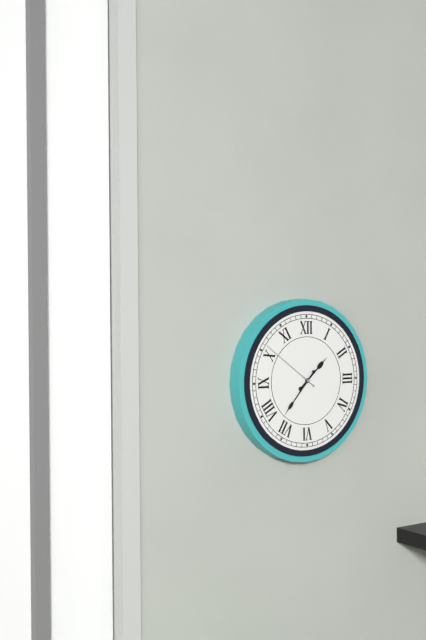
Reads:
{"hour": 1, "minute": 37, "second": 51}
